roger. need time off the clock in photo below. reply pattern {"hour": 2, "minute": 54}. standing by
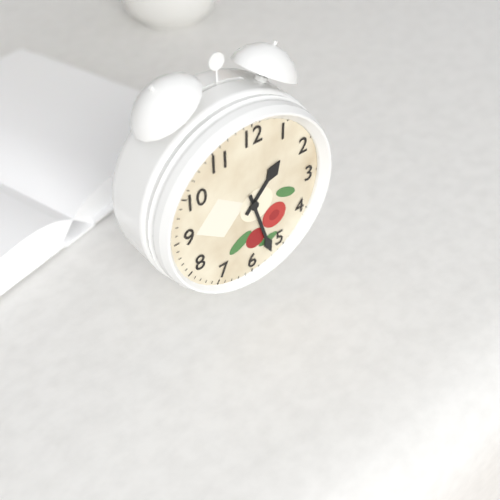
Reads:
{"hour": 1, "minute": 27}
